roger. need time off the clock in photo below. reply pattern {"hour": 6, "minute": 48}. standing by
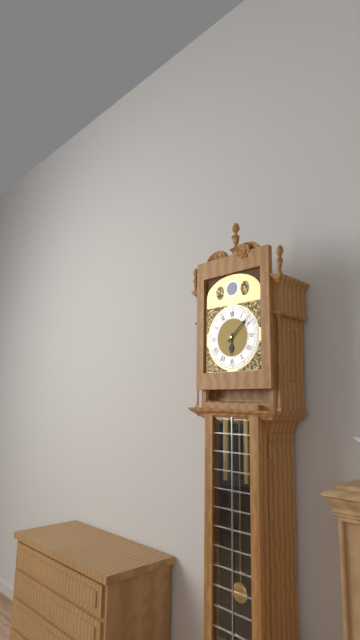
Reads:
{"hour": 6, "minute": 8}
